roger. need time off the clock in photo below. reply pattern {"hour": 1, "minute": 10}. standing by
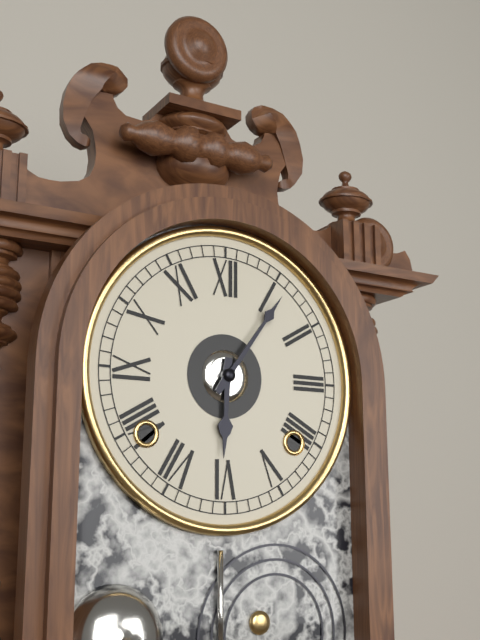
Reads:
{"hour": 6, "minute": 6}
